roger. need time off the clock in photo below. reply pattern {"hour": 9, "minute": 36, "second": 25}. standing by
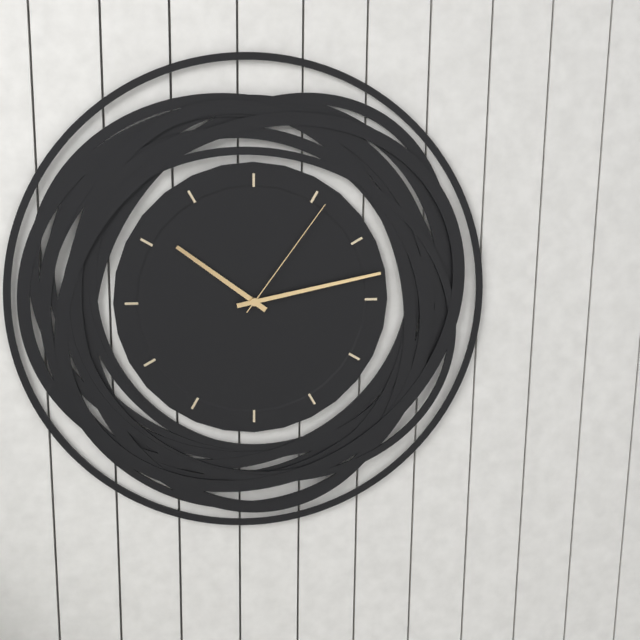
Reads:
{"hour": 10, "minute": 13, "second": 6}
